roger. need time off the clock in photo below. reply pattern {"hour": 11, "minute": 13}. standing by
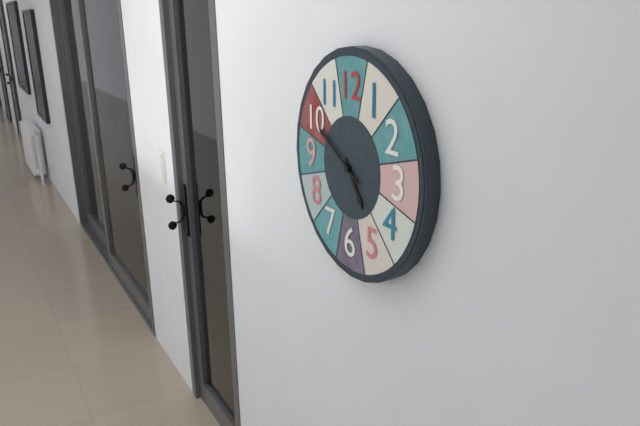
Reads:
{"hour": 4, "minute": 50}
